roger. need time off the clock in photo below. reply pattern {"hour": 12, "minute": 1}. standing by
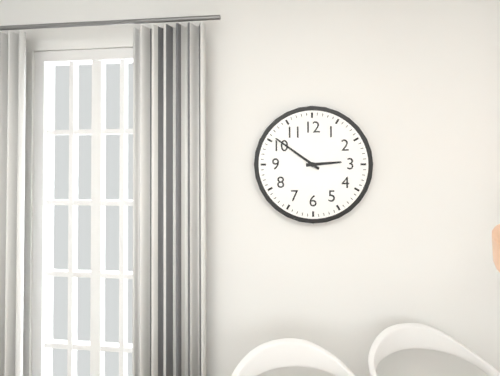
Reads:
{"hour": 2, "minute": 51}
